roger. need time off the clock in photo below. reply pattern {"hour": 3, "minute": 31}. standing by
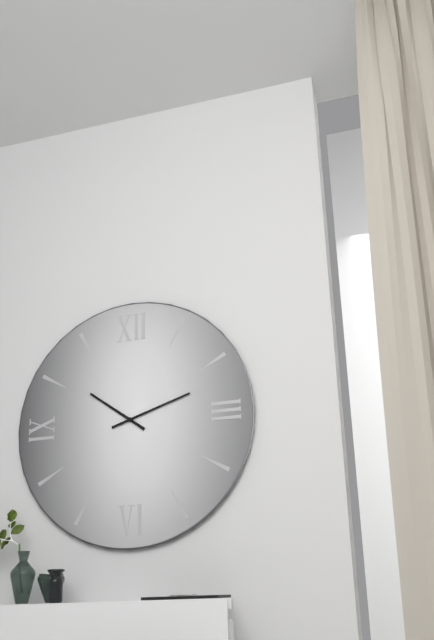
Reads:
{"hour": 10, "minute": 12}
